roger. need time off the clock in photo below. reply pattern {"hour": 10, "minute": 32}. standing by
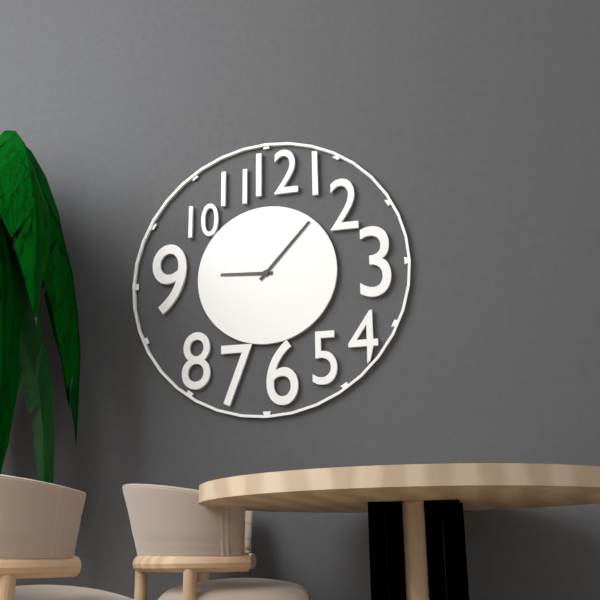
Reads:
{"hour": 9, "minute": 7}
